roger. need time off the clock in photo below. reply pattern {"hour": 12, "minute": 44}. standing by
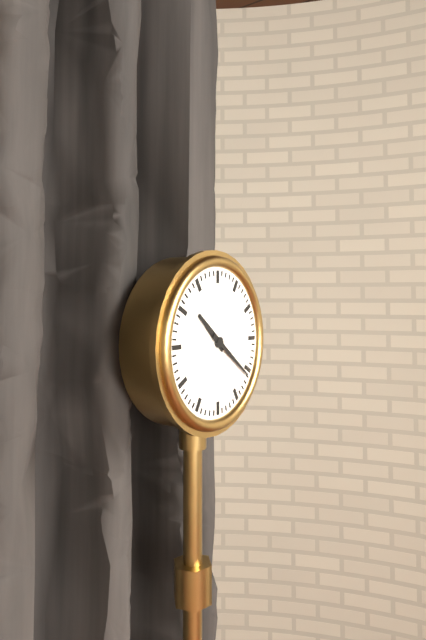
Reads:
{"hour": 10, "minute": 21}
